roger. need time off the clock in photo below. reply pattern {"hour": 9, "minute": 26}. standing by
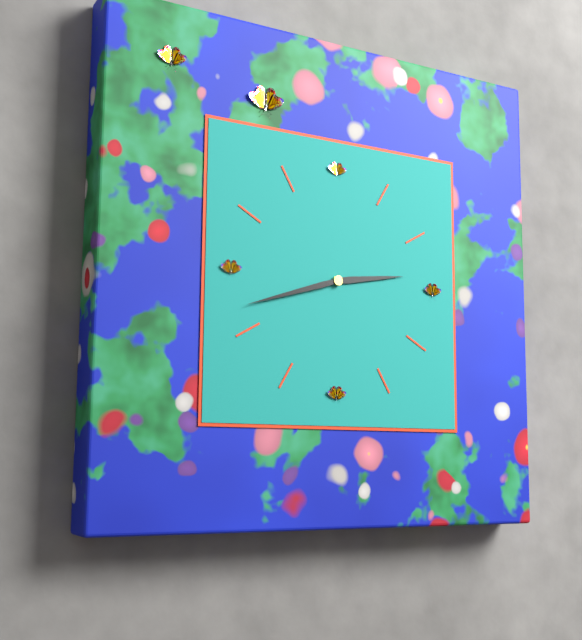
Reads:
{"hour": 2, "minute": 42}
